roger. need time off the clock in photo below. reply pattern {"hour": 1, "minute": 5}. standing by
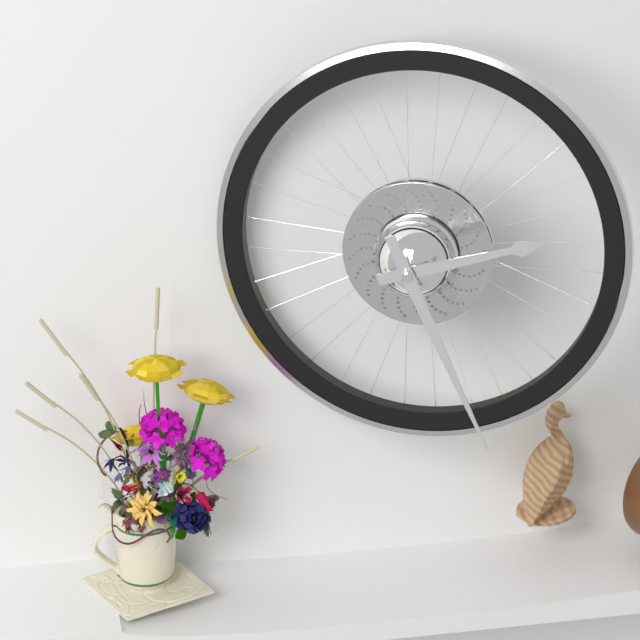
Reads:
{"hour": 2, "minute": 26}
